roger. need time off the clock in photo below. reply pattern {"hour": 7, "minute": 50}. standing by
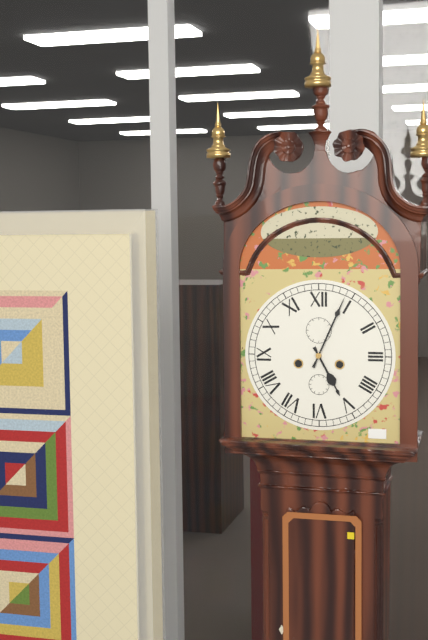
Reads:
{"hour": 5, "minute": 4}
